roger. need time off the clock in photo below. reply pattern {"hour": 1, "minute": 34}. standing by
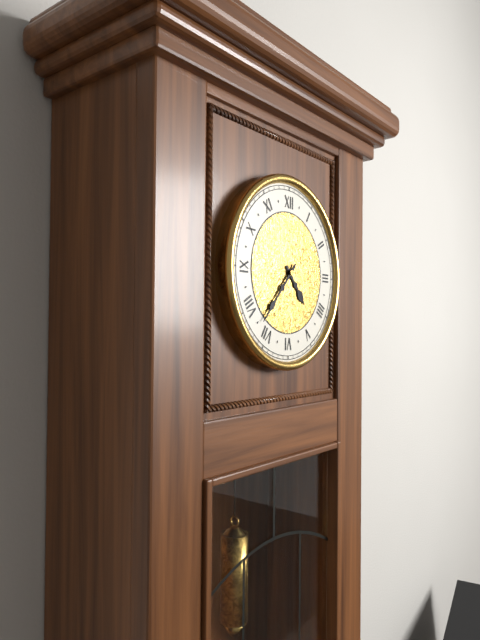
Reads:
{"hour": 4, "minute": 37}
